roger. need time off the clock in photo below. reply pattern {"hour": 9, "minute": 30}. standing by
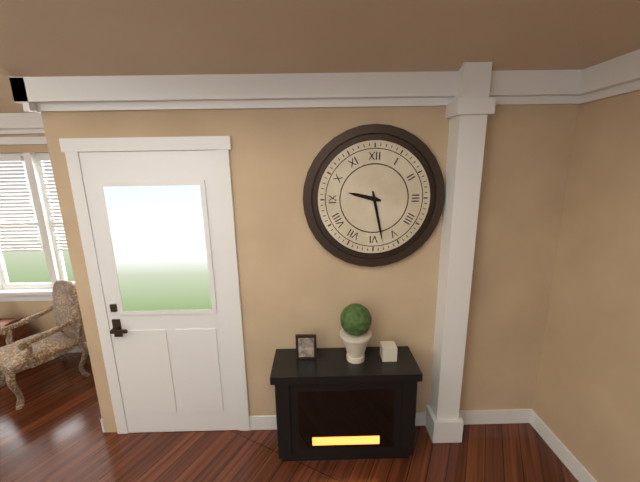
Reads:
{"hour": 9, "minute": 28}
